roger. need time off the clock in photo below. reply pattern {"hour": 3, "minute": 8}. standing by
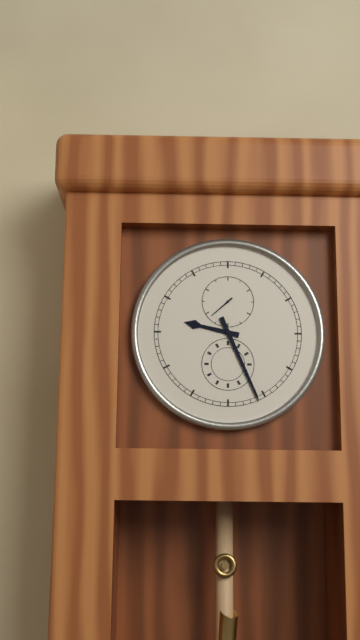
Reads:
{"hour": 9, "minute": 26}
